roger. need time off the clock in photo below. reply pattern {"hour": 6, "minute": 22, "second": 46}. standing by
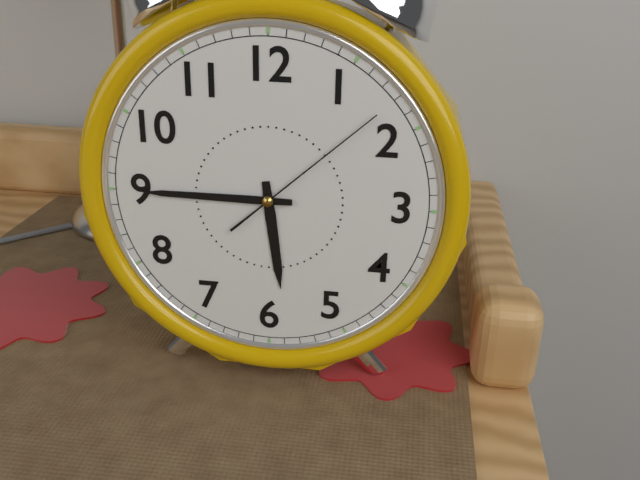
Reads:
{"hour": 5, "minute": 45, "second": 8}
